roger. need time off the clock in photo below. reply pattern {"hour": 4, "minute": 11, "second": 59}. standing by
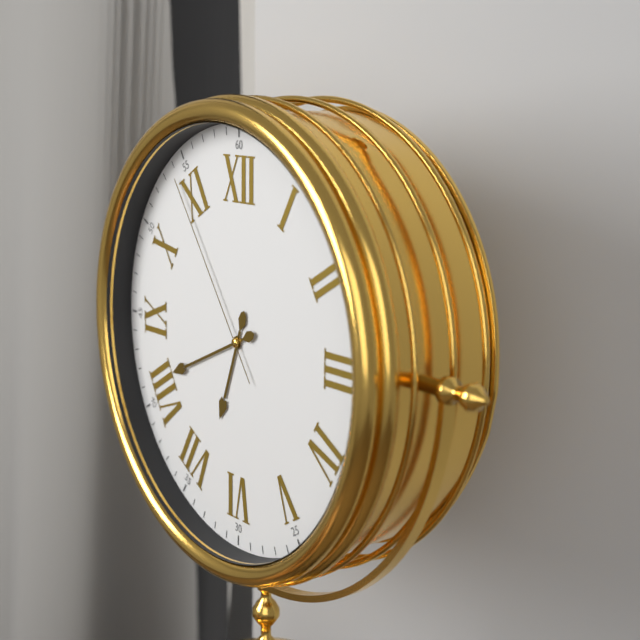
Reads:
{"hour": 6, "minute": 41, "second": 54}
